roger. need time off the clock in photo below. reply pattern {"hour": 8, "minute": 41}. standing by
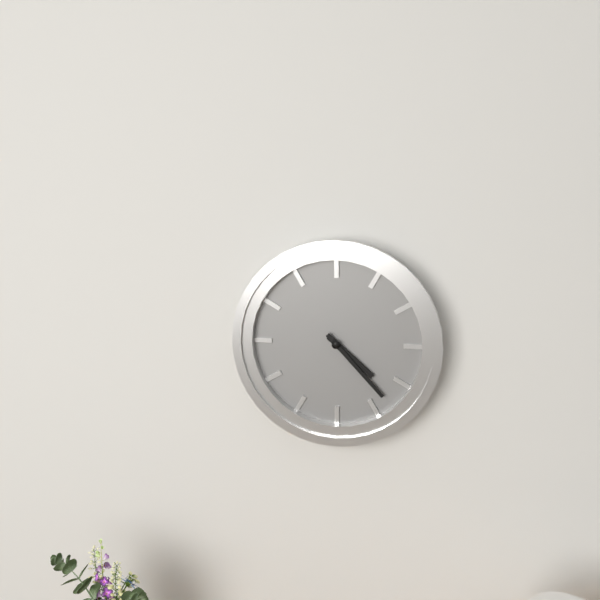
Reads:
{"hour": 4, "minute": 23}
